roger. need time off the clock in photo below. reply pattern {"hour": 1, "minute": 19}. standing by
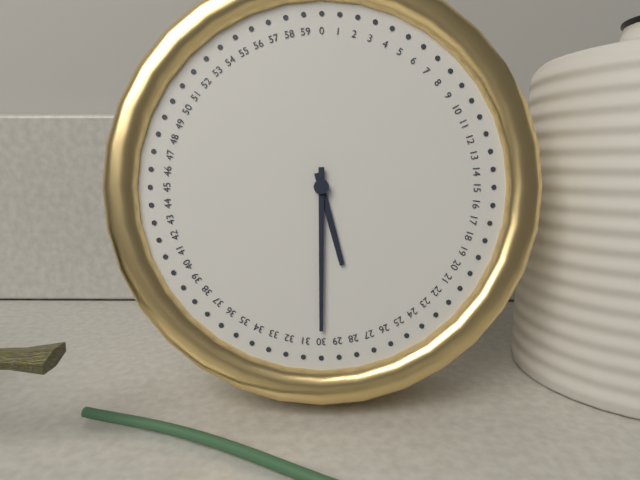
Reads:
{"hour": 5, "minute": 30}
